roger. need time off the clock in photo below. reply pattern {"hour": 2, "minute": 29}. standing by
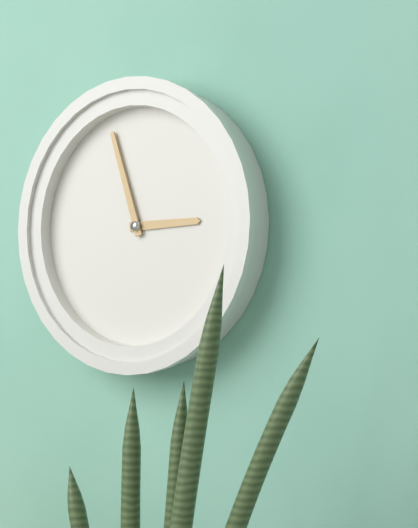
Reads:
{"hour": 2, "minute": 57}
